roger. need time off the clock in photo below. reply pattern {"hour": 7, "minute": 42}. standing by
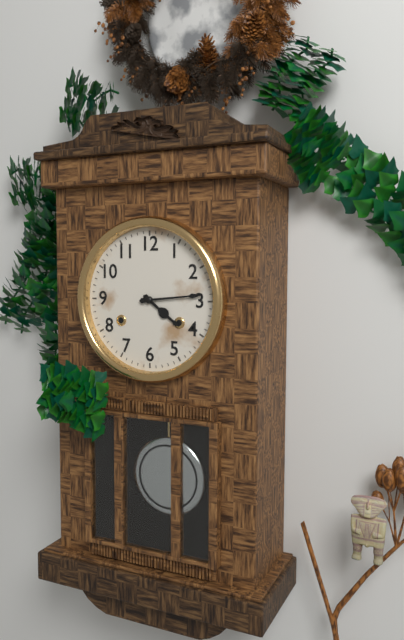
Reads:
{"hour": 4, "minute": 14}
